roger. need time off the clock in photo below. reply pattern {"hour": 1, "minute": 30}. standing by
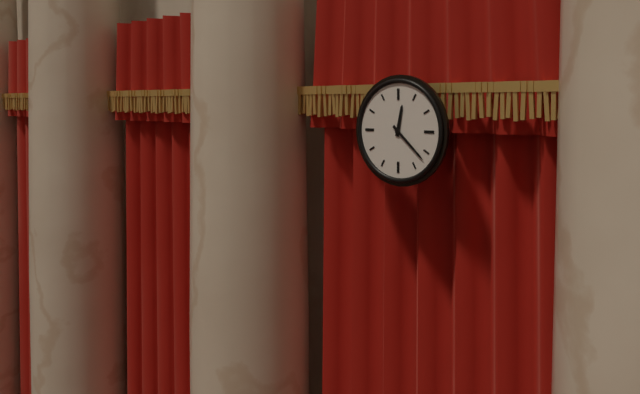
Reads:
{"hour": 12, "minute": 22}
